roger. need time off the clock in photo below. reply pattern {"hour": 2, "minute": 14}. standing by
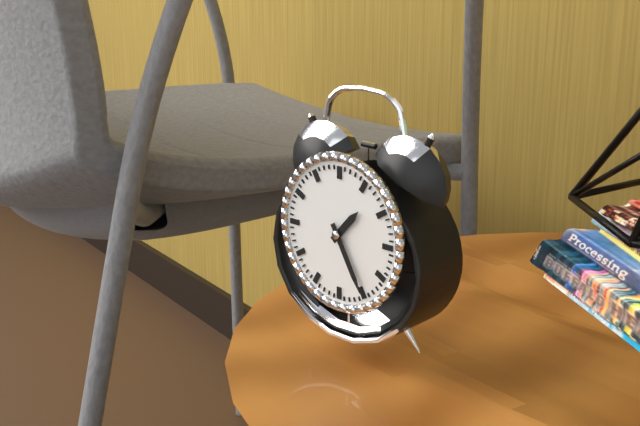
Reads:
{"hour": 1, "minute": 25}
